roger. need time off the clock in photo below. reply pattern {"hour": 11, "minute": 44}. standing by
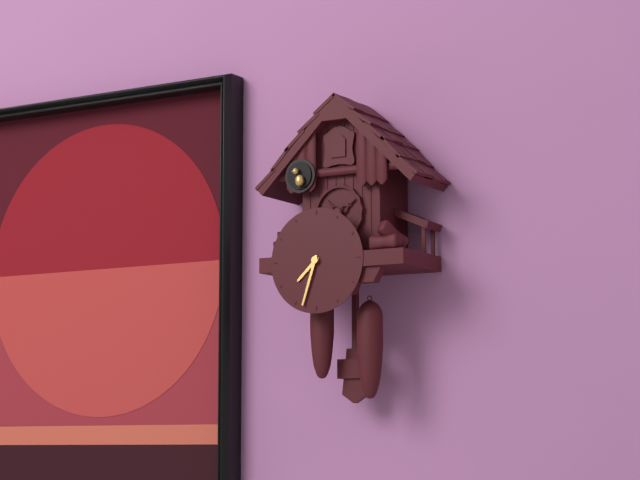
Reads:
{"hour": 7, "minute": 33}
